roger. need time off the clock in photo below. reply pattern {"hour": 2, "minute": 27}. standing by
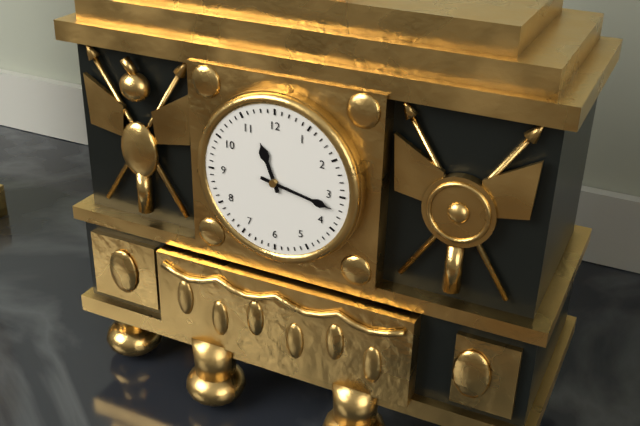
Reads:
{"hour": 11, "minute": 17}
